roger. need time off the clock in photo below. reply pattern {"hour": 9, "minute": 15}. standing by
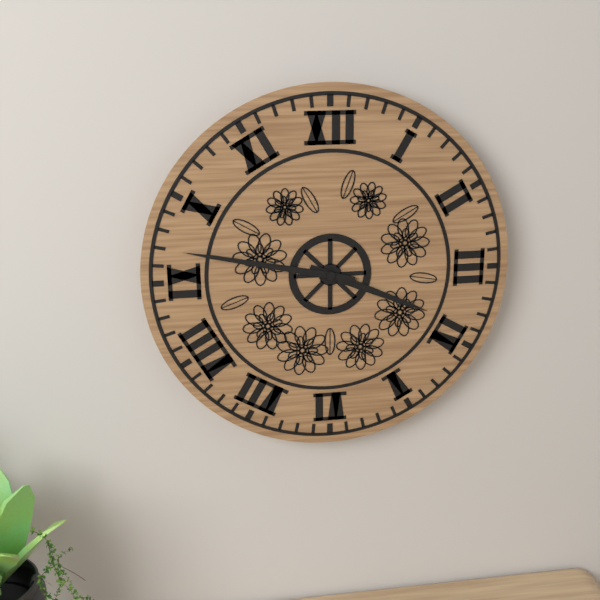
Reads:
{"hour": 3, "minute": 47}
